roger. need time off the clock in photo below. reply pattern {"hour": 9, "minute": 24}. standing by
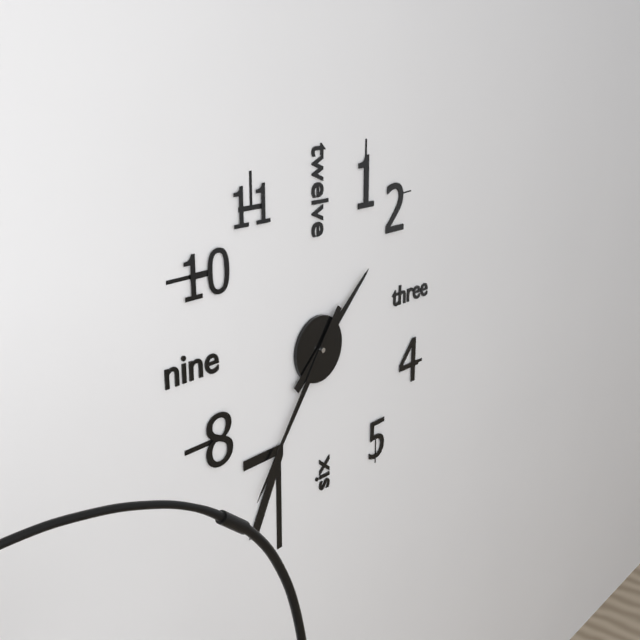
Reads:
{"hour": 1, "minute": 36}
